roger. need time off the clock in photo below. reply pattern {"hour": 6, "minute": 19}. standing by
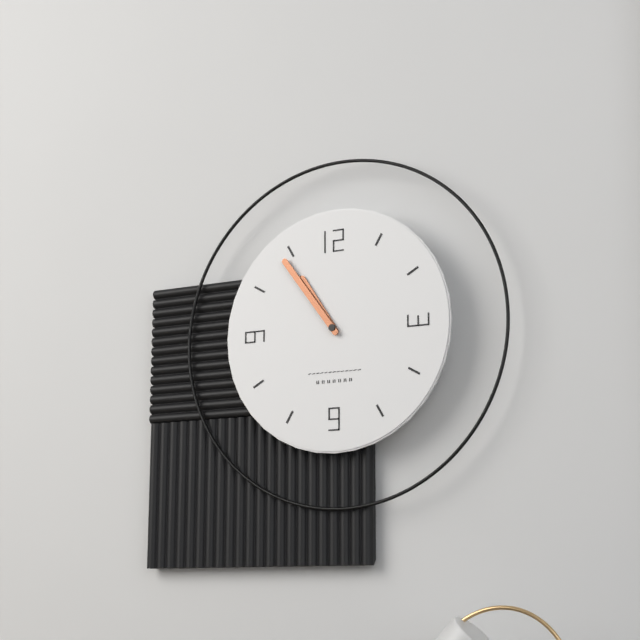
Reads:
{"hour": 10, "minute": 54}
